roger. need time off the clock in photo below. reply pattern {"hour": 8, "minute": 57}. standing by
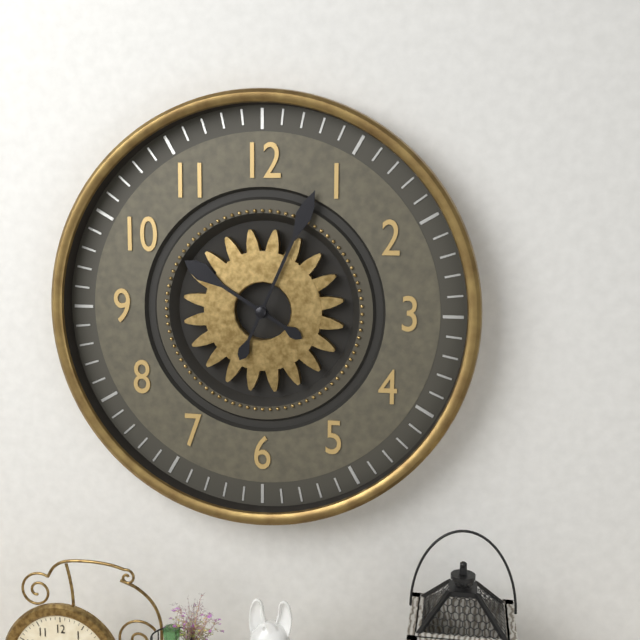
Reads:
{"hour": 10, "minute": 4}
